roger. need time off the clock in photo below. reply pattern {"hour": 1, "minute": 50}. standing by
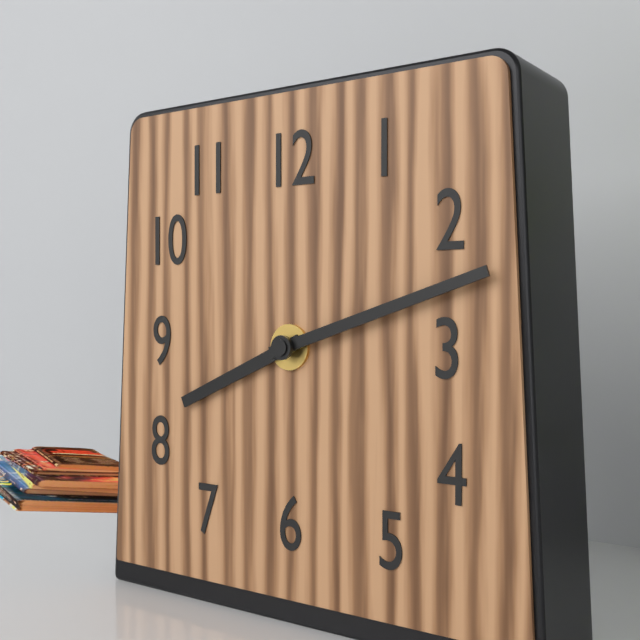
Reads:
{"hour": 8, "minute": 12}
